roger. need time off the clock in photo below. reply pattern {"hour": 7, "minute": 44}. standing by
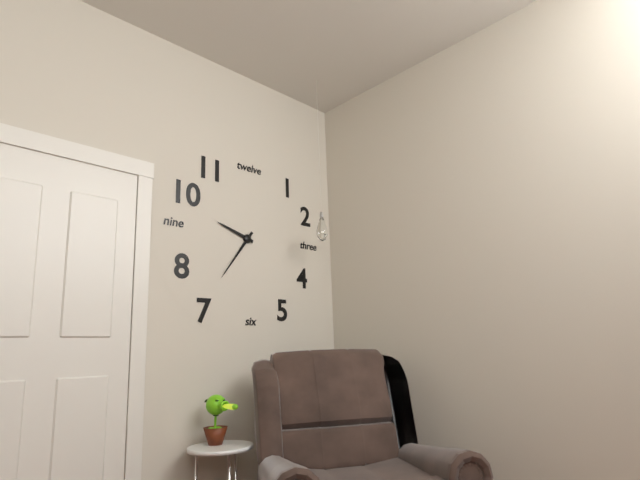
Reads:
{"hour": 9, "minute": 36}
